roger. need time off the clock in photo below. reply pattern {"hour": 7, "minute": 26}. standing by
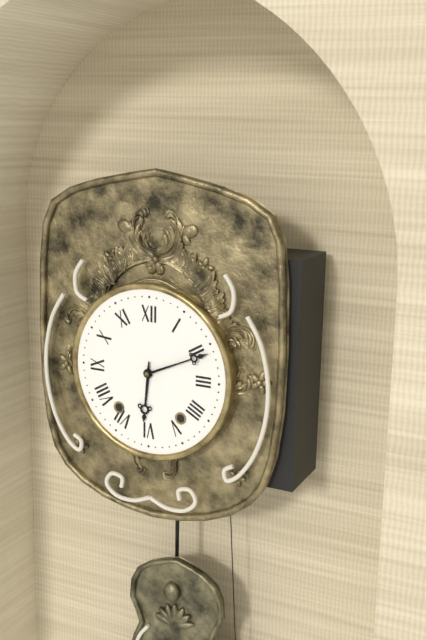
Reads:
{"hour": 6, "minute": 11}
